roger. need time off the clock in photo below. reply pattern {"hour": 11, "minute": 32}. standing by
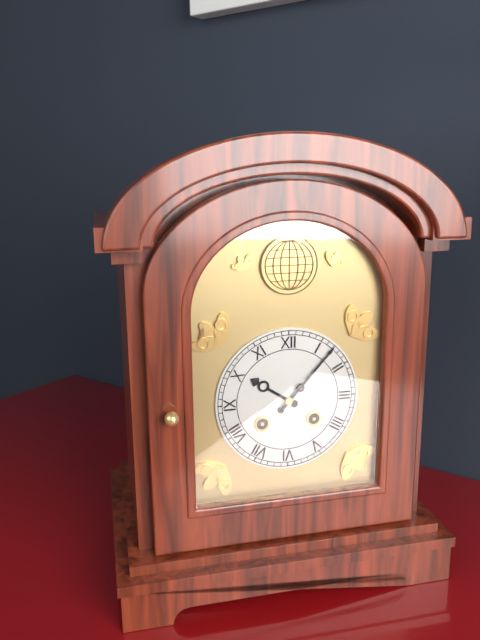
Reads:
{"hour": 10, "minute": 7}
